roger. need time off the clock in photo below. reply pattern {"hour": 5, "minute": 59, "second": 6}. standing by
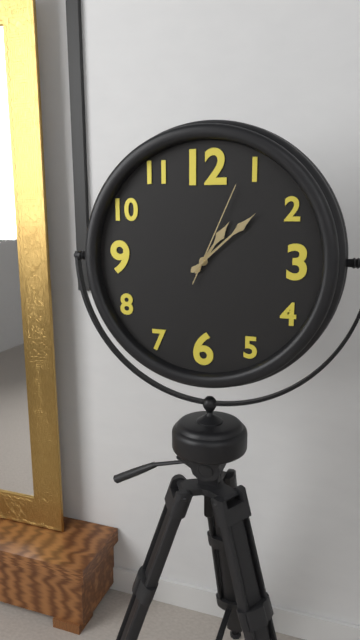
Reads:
{"hour": 1, "minute": 8, "second": 4}
